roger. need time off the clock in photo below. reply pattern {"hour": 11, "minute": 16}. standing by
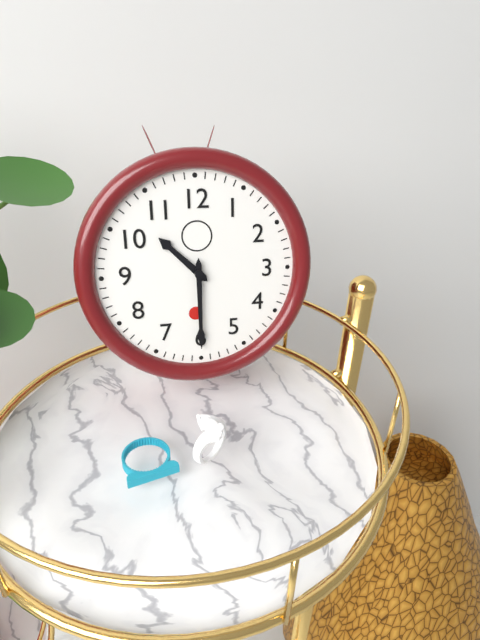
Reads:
{"hour": 10, "minute": 30}
